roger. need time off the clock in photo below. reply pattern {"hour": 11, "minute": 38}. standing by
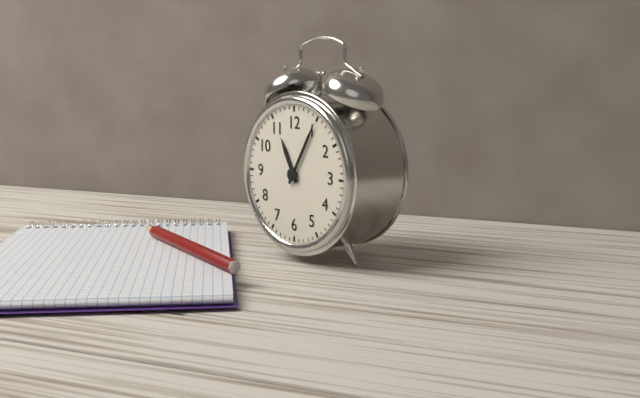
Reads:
{"hour": 11, "minute": 5}
